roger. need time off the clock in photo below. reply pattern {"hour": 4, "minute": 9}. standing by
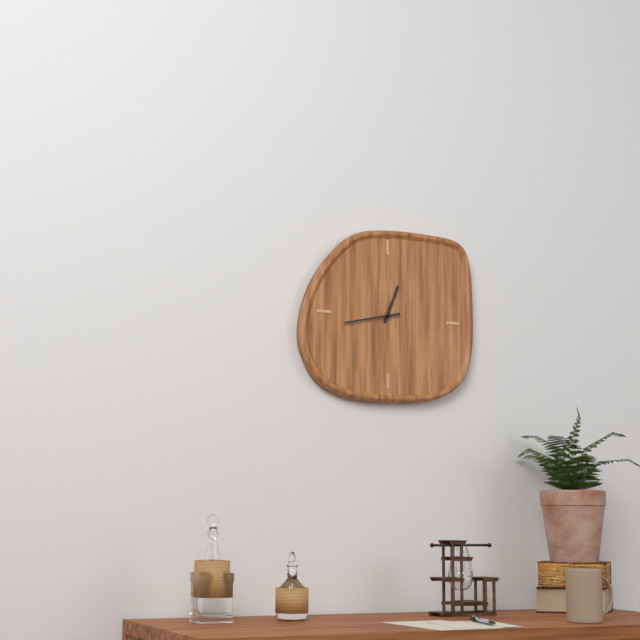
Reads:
{"hour": 12, "minute": 43}
